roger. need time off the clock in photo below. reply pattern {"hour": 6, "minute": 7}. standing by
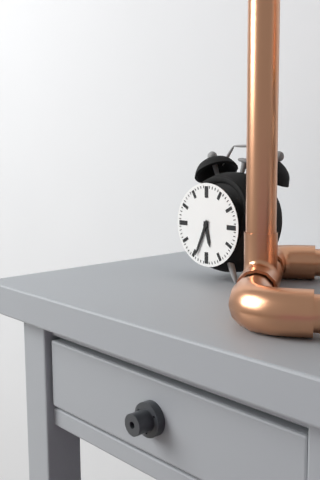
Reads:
{"hour": 5, "minute": 34}
